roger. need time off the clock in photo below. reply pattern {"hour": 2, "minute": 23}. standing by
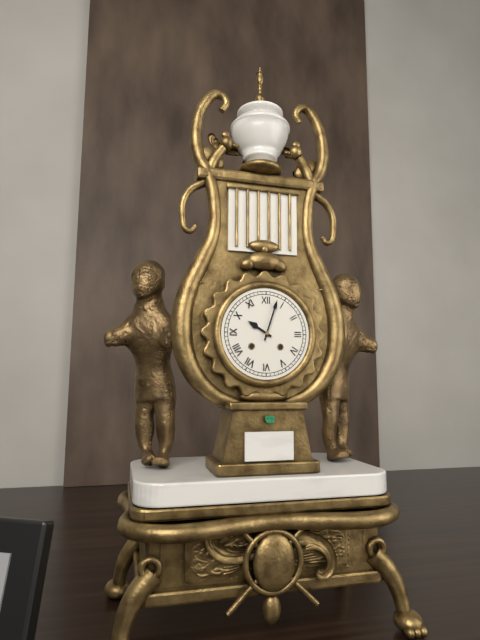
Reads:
{"hour": 10, "minute": 3}
